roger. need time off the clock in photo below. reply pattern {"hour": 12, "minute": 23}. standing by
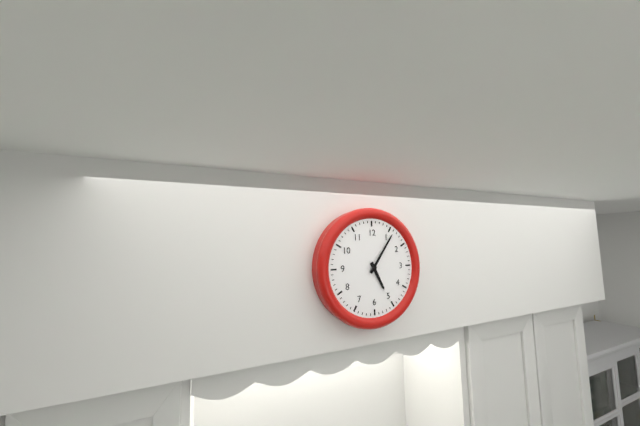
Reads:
{"hour": 5, "minute": 6}
